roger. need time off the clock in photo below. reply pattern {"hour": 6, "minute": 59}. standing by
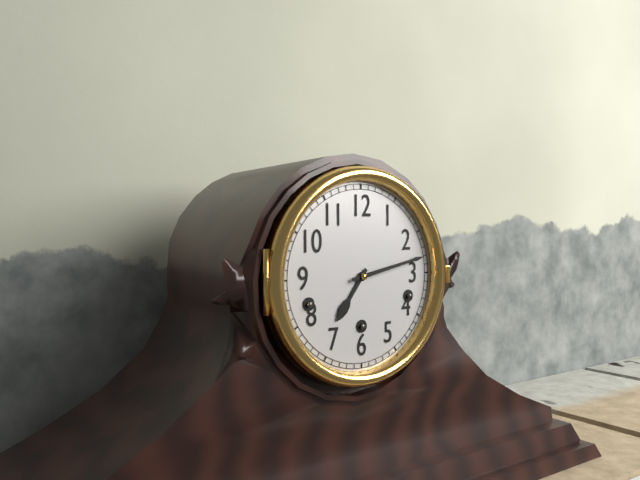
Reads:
{"hour": 7, "minute": 13}
